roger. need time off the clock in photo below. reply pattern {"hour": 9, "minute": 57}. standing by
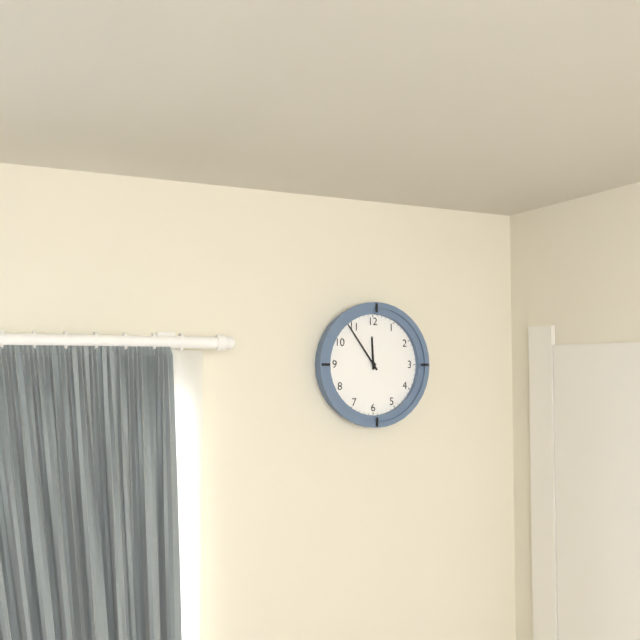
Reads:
{"hour": 11, "minute": 54}
